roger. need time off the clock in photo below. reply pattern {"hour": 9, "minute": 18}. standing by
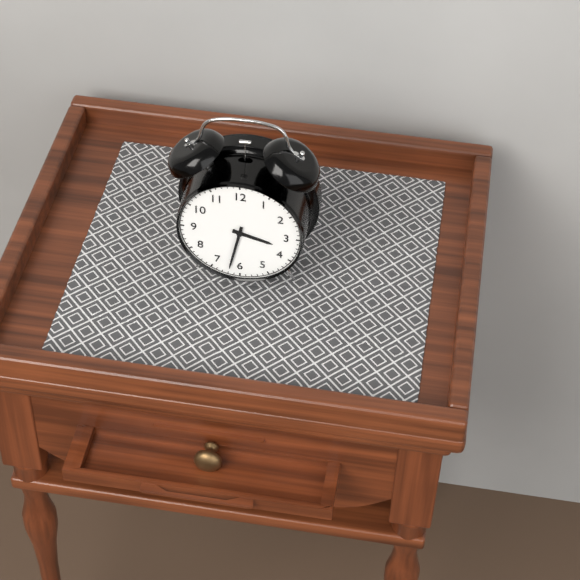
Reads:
{"hour": 3, "minute": 32}
